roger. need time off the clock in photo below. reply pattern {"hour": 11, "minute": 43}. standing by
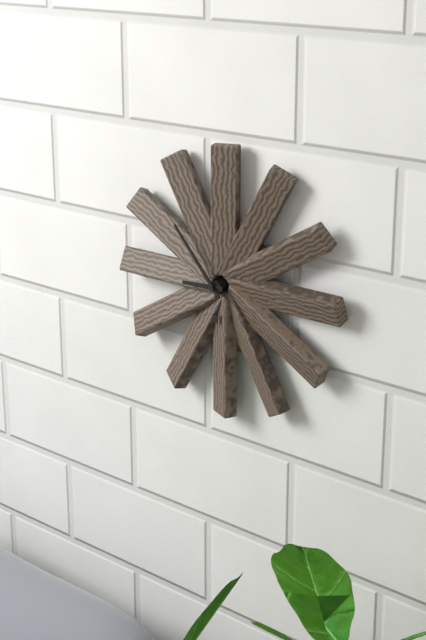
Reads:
{"hour": 8, "minute": 53}
